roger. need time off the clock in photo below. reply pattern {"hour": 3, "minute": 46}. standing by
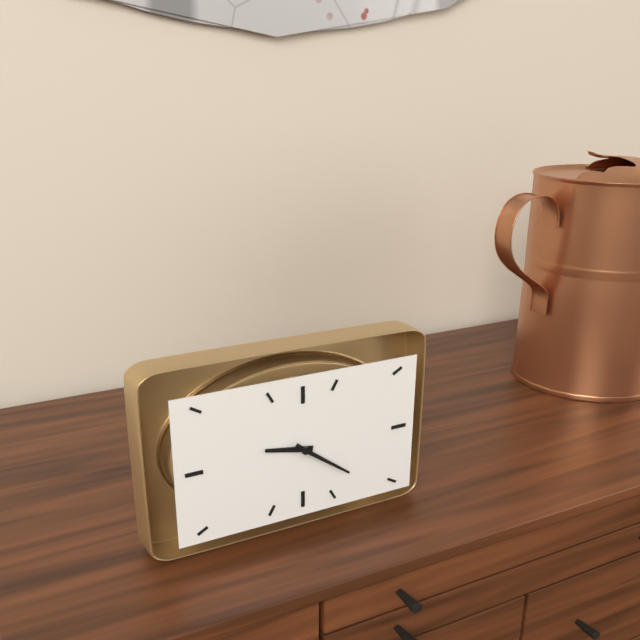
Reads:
{"hour": 9, "minute": 21}
